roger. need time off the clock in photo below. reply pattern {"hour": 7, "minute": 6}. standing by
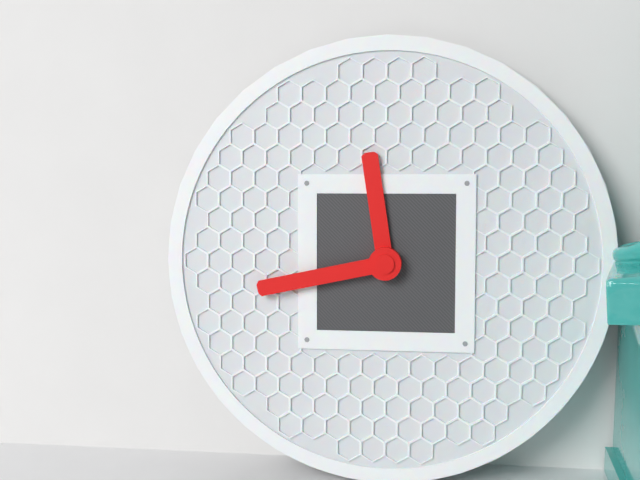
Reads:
{"hour": 11, "minute": 43}
